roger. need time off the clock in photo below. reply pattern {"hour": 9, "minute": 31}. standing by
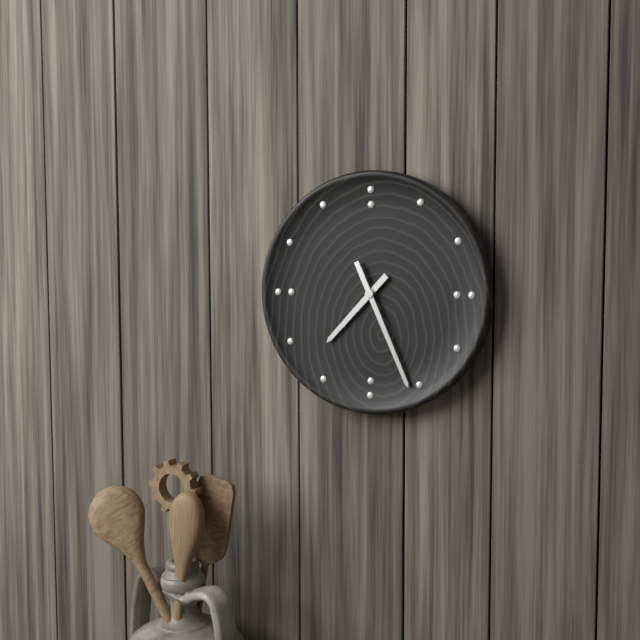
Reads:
{"hour": 7, "minute": 26}
